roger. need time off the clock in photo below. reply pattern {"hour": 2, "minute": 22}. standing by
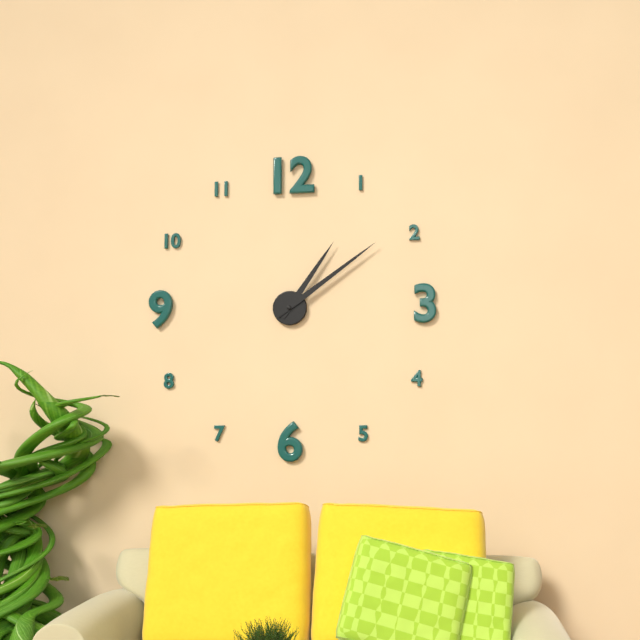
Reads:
{"hour": 1, "minute": 9}
